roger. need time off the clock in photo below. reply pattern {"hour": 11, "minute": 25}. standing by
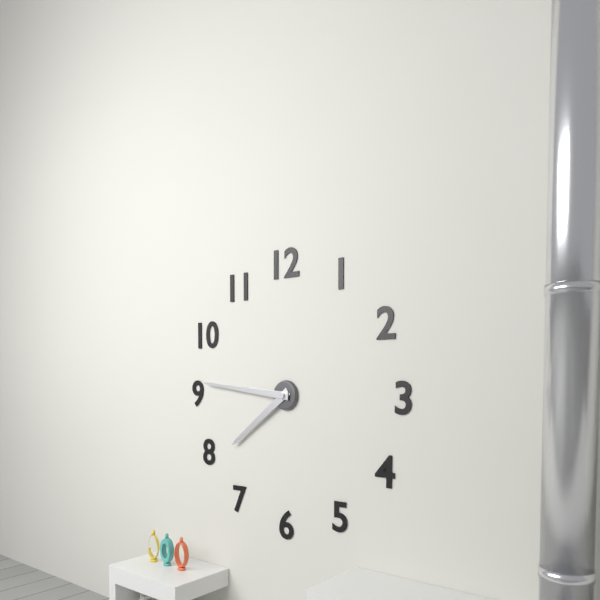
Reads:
{"hour": 7, "minute": 46}
